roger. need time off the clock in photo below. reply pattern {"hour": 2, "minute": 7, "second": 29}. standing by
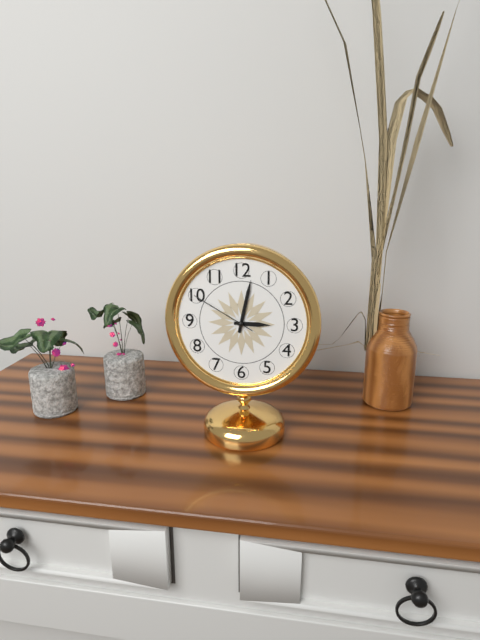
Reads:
{"hour": 3, "minute": 2, "second": 50}
